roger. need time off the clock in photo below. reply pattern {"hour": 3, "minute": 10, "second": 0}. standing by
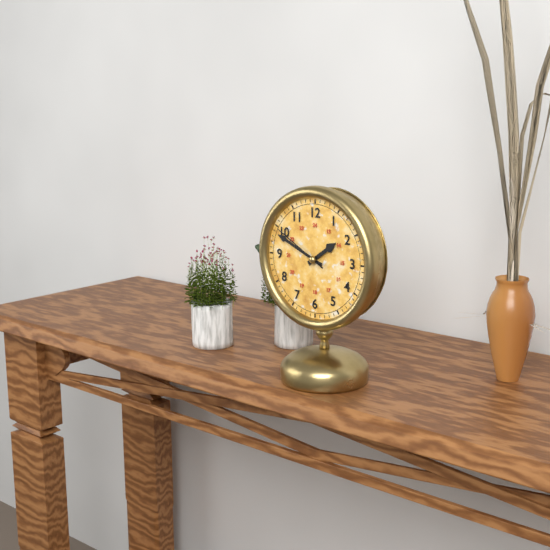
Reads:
{"hour": 1, "minute": 49, "second": 50}
